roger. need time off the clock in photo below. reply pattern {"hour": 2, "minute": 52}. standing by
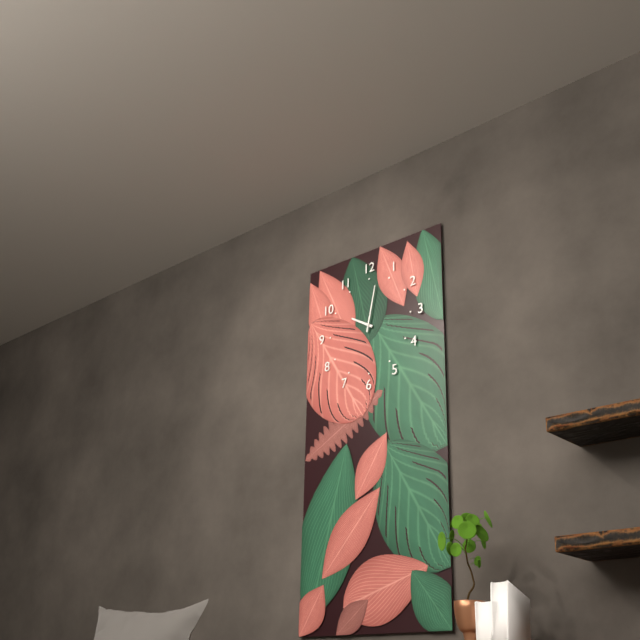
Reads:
{"hour": 10, "minute": 2}
